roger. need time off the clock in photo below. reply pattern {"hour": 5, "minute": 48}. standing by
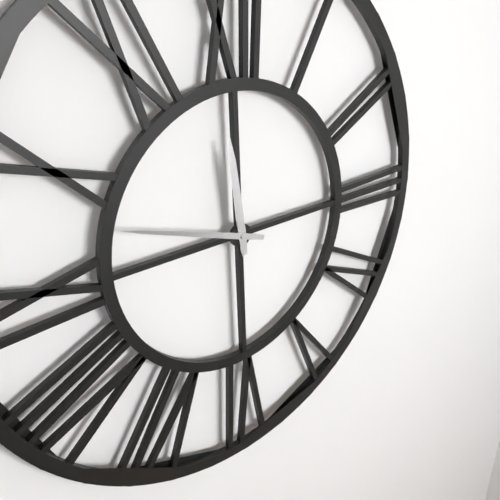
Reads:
{"hour": 11, "minute": 48}
